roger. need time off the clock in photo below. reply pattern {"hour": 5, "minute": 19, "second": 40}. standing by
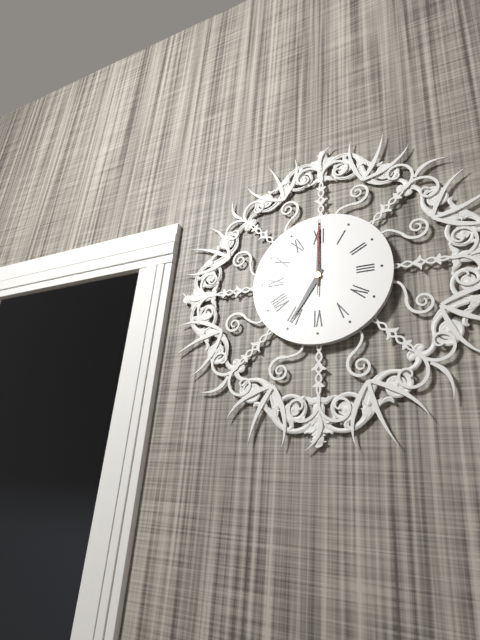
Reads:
{"hour": 7, "minute": 0, "second": 0}
